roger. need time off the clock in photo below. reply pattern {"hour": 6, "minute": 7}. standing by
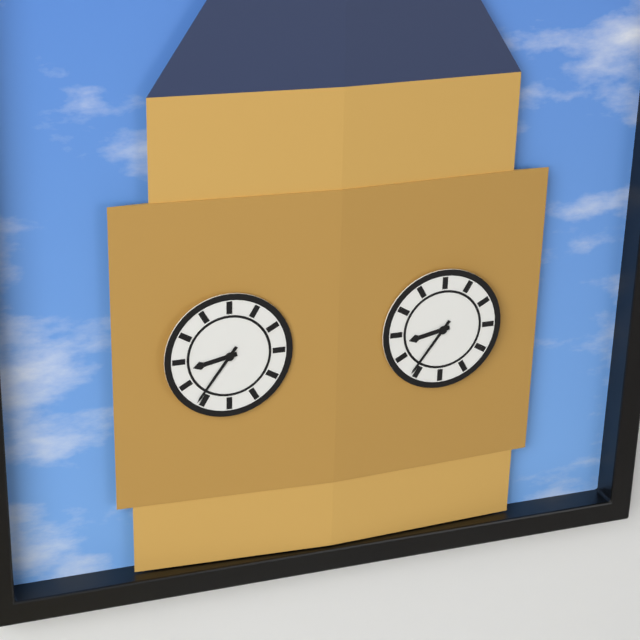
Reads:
{"hour": 8, "minute": 36}
